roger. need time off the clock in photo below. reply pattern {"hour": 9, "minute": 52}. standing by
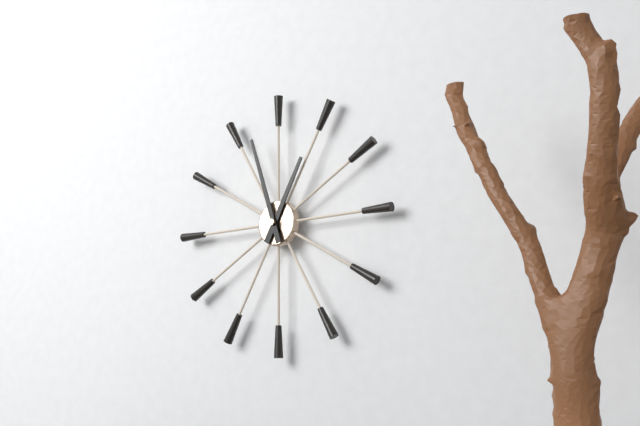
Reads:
{"hour": 12, "minute": 57}
